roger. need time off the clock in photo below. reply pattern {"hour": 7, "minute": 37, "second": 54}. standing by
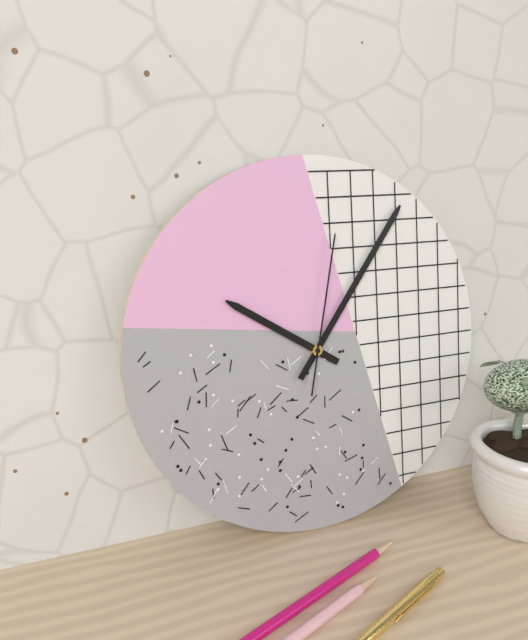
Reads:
{"hour": 10, "minute": 6, "second": 2}
